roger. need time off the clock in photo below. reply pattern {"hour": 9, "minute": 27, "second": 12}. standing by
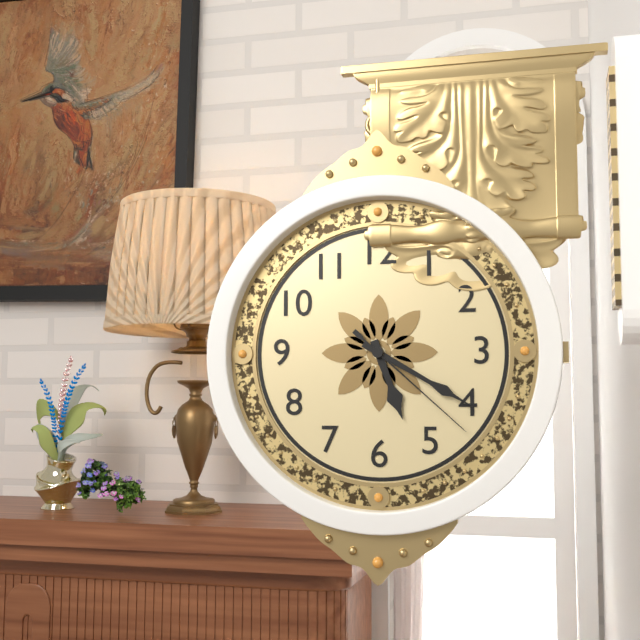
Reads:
{"hour": 5, "minute": 20, "second": 22}
